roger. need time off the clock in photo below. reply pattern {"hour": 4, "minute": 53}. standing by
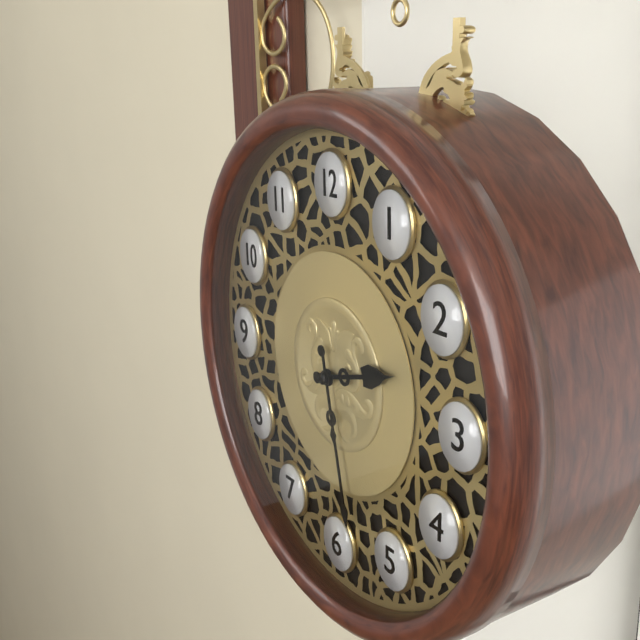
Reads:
{"hour": 2, "minute": 28}
